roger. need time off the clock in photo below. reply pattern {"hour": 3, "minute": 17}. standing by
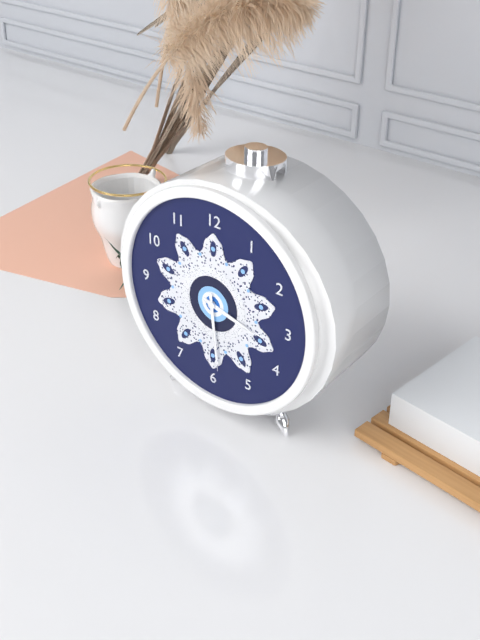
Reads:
{"hour": 3, "minute": 29}
